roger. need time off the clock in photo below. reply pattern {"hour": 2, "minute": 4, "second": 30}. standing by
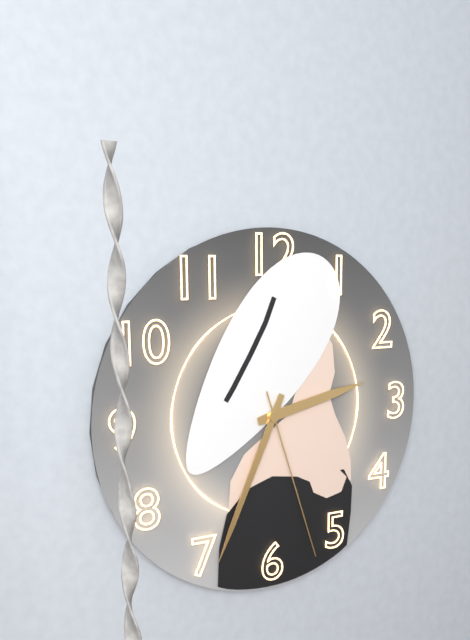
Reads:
{"hour": 2, "minute": 34, "second": 27}
